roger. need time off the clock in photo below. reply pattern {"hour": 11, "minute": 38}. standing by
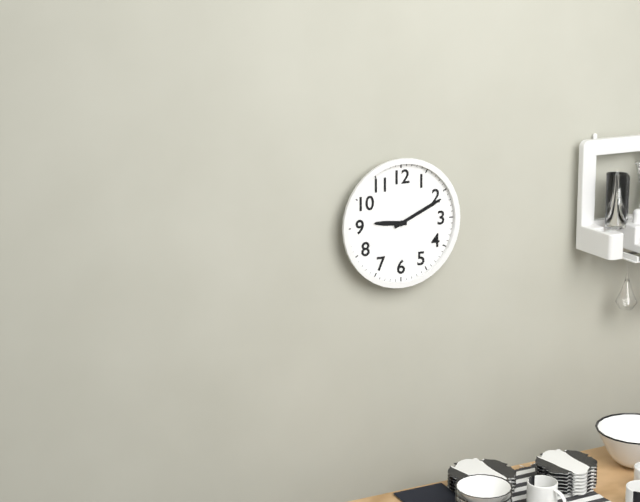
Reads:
{"hour": 9, "minute": 11}
